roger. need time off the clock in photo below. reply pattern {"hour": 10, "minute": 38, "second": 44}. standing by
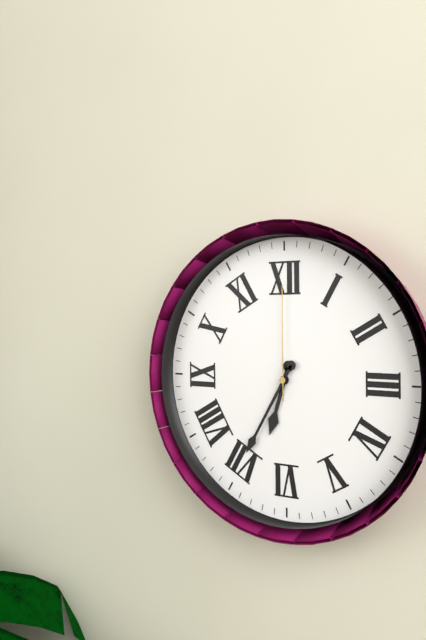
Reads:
{"hour": 6, "minute": 35, "second": 0}
